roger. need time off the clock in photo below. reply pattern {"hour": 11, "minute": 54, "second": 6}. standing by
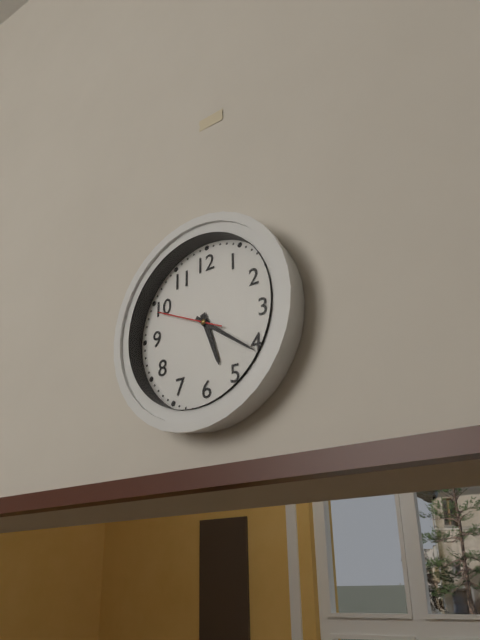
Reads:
{"hour": 5, "minute": 21, "second": 49}
